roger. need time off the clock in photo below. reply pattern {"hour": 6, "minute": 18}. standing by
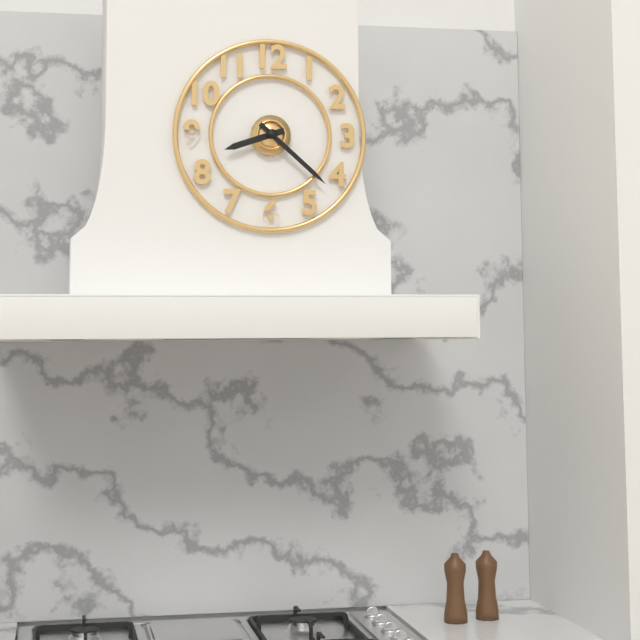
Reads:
{"hour": 8, "minute": 22}
